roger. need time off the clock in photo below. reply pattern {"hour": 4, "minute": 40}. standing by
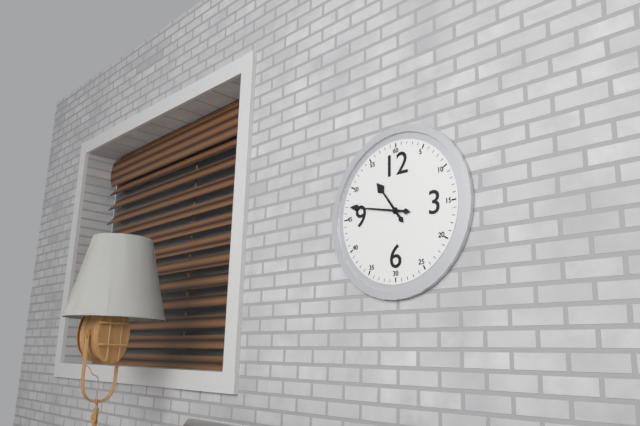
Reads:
{"hour": 10, "minute": 47}
